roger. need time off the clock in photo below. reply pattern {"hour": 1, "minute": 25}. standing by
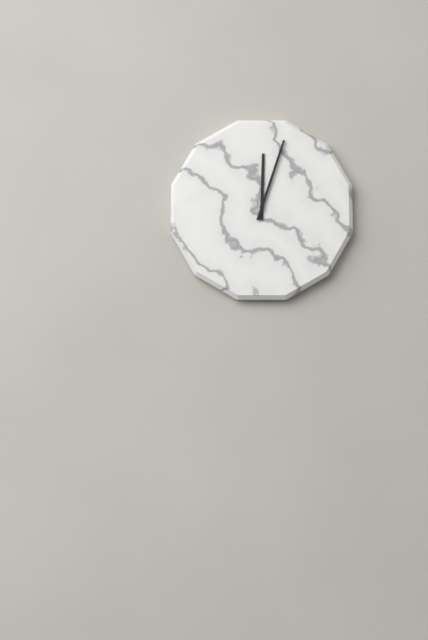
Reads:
{"hour": 12, "minute": 3}
